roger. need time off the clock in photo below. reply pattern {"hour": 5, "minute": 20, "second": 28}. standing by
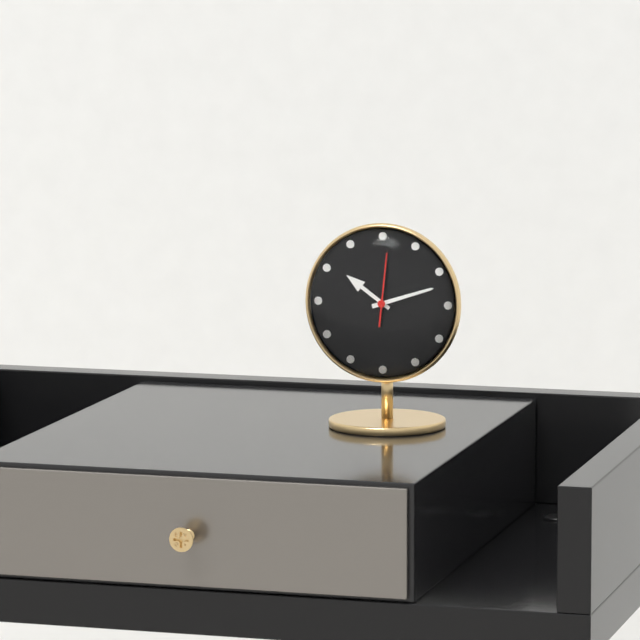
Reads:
{"hour": 10, "minute": 12, "second": 1}
